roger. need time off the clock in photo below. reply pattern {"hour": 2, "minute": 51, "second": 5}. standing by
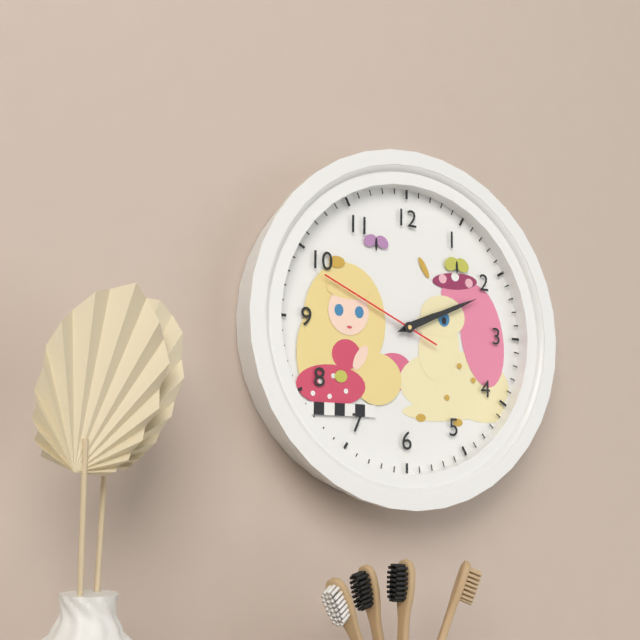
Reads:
{"hour": 2, "minute": 11, "second": 49}
